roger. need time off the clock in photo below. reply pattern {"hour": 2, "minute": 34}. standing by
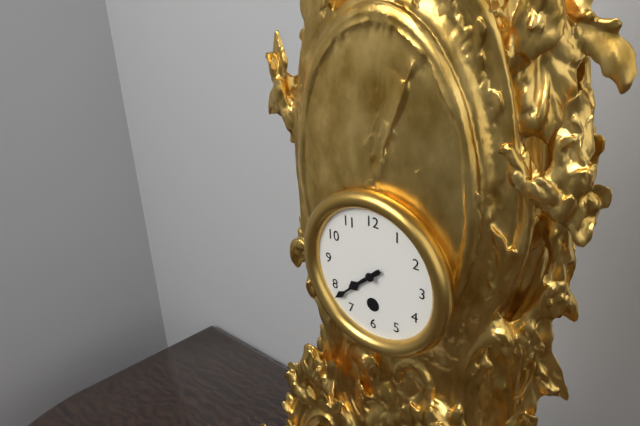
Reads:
{"hour": 7, "minute": 38}
